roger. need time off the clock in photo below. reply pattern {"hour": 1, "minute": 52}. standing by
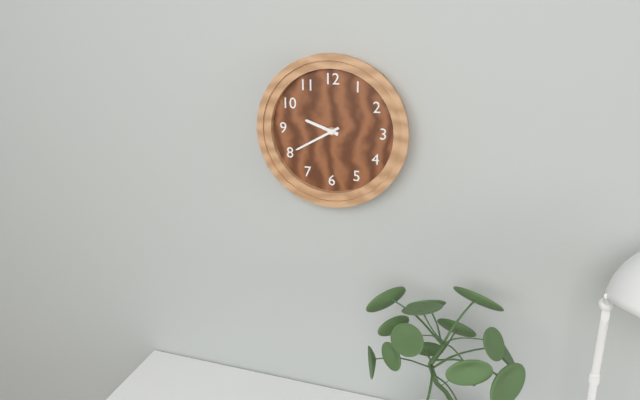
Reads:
{"hour": 9, "minute": 40}
